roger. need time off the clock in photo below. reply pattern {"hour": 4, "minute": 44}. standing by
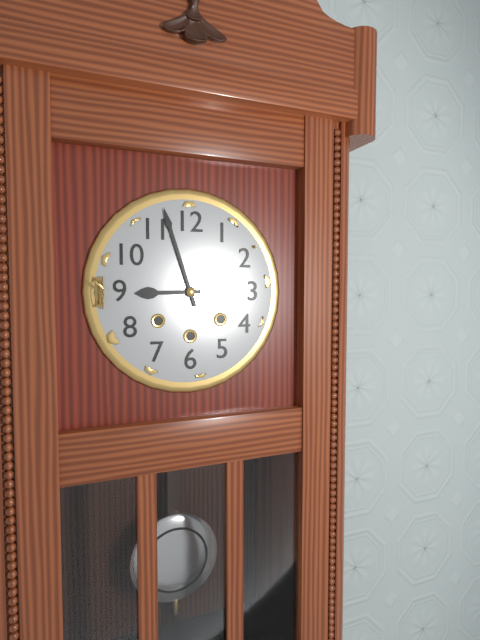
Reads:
{"hour": 8, "minute": 57}
